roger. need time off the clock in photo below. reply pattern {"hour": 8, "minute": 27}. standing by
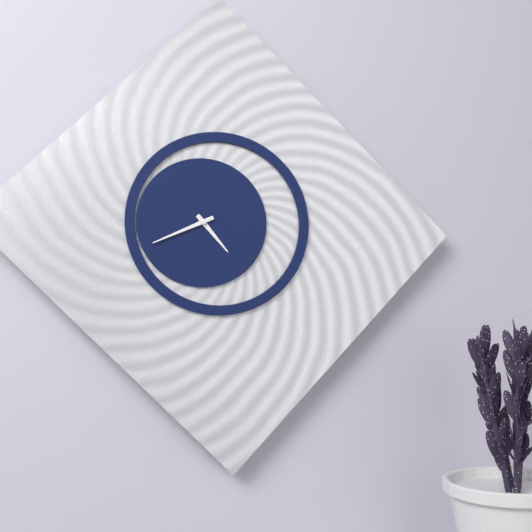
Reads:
{"hour": 4, "minute": 41}
